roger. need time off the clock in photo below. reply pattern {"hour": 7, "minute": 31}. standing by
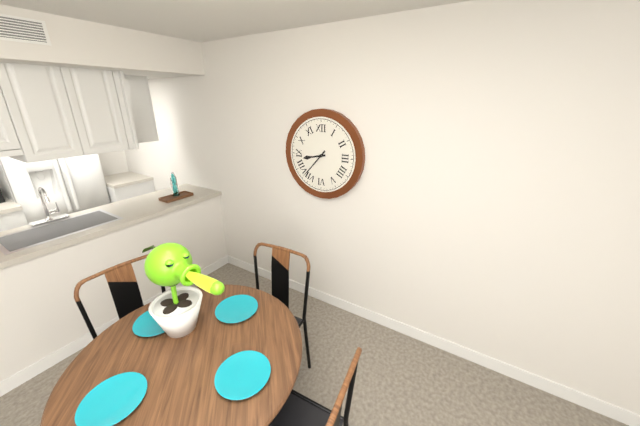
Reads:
{"hour": 8, "minute": 37}
